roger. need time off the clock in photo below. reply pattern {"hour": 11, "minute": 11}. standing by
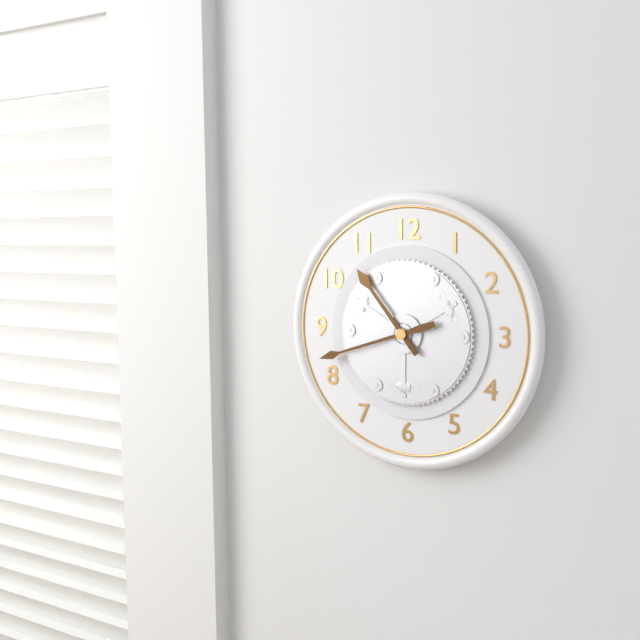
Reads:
{"hour": 10, "minute": 42}
